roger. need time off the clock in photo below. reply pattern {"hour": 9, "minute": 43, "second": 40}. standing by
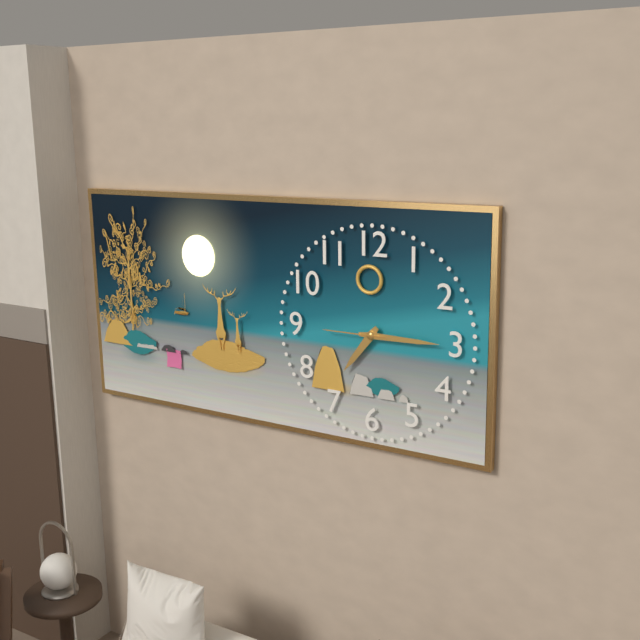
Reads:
{"hour": 7, "minute": 15, "second": 45}
